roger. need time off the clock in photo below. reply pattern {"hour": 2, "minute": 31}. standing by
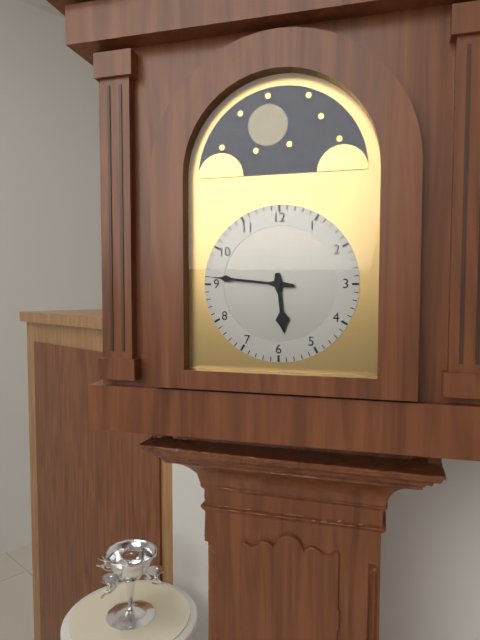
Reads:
{"hour": 5, "minute": 46}
